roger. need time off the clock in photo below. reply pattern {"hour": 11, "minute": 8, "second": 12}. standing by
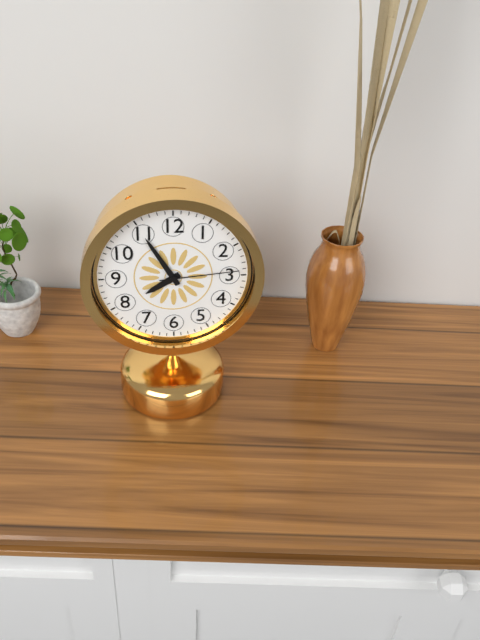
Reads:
{"hour": 7, "minute": 55, "second": 14}
